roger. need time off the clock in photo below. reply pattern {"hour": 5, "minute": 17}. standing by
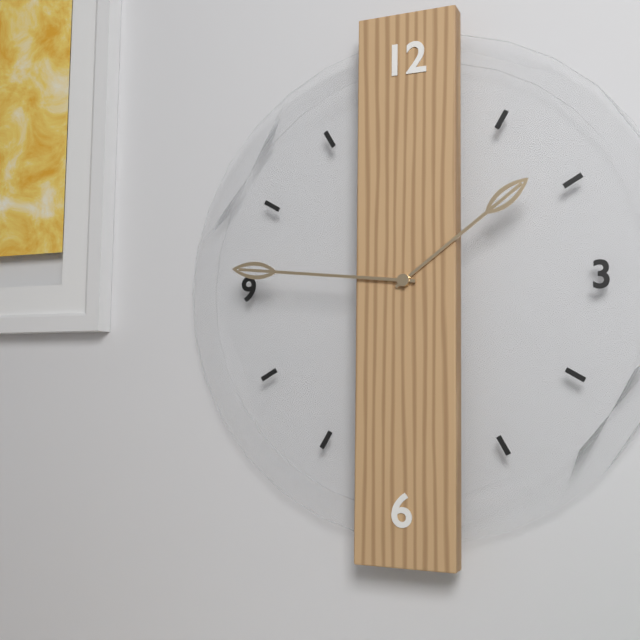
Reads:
{"hour": 1, "minute": 46}
